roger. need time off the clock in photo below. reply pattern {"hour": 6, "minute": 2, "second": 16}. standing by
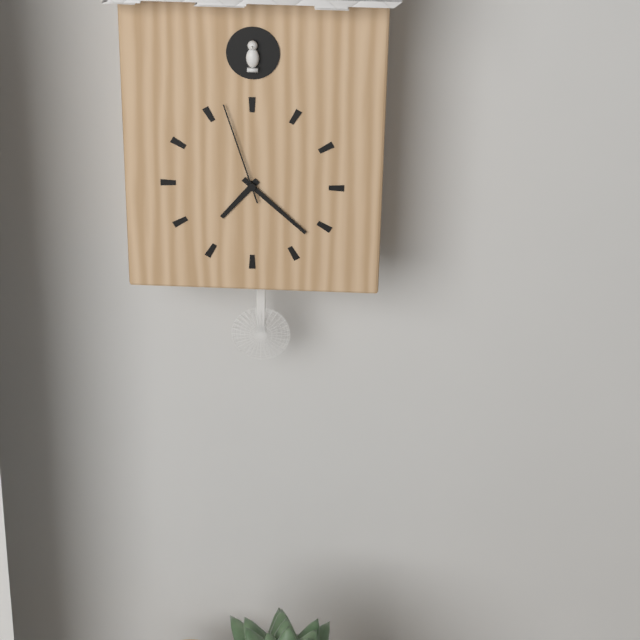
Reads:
{"hour": 7, "minute": 22, "second": 57}
